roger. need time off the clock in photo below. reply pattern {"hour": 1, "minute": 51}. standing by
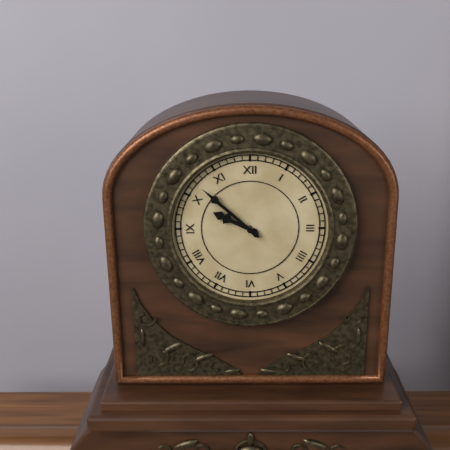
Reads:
{"hour": 9, "minute": 52}
